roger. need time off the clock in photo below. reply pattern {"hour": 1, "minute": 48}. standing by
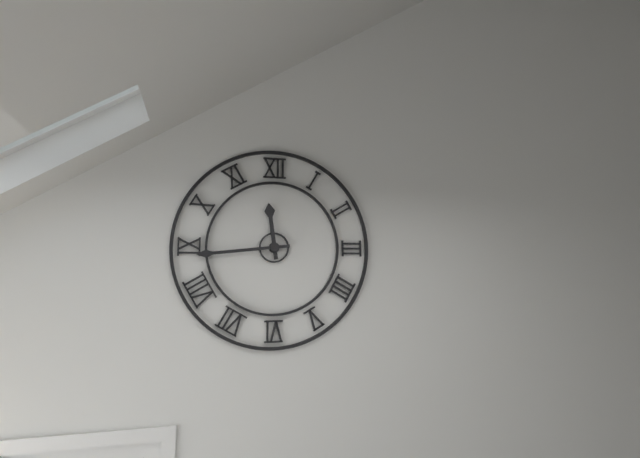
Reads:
{"hour": 11, "minute": 44}
